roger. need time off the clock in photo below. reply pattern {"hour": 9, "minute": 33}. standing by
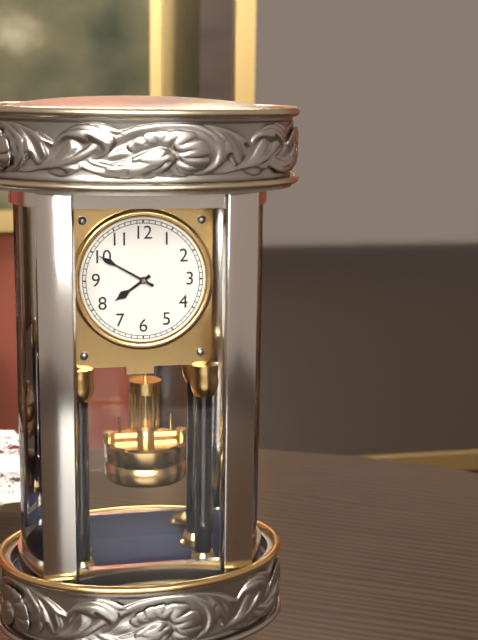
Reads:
{"hour": 7, "minute": 50}
